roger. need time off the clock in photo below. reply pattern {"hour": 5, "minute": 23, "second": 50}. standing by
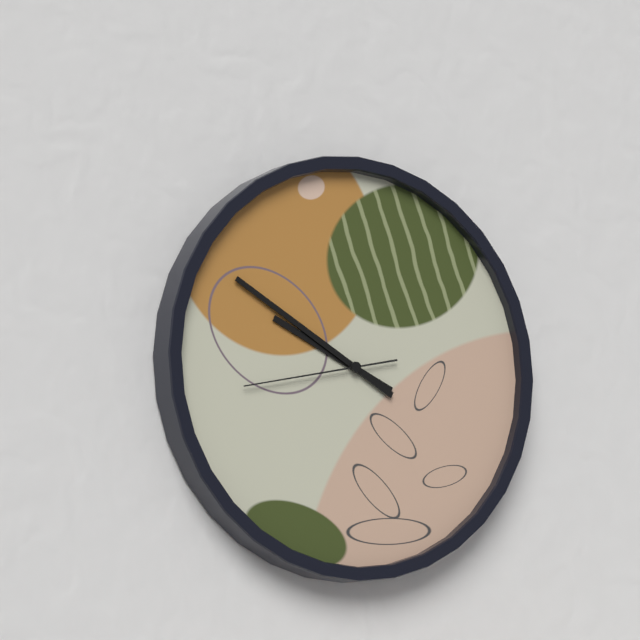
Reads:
{"hour": 9, "minute": 50, "second": 43}
